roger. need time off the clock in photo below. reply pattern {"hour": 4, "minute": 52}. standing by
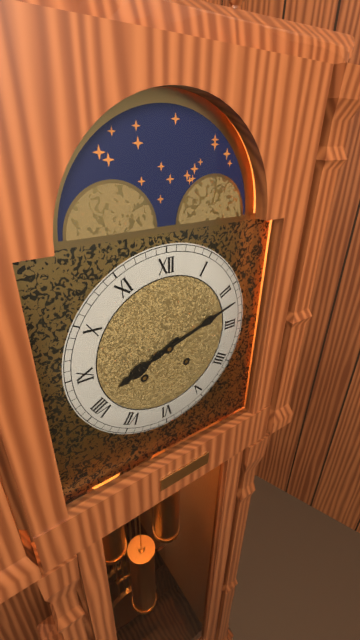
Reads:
{"hour": 8, "minute": 12}
